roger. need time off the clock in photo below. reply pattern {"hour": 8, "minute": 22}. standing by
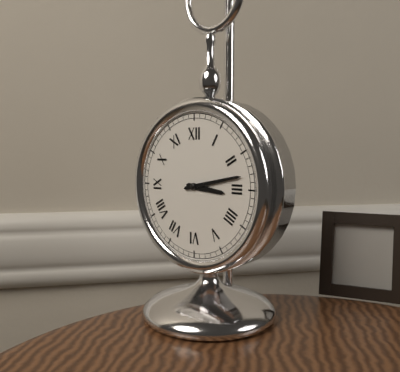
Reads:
{"hour": 3, "minute": 13}
